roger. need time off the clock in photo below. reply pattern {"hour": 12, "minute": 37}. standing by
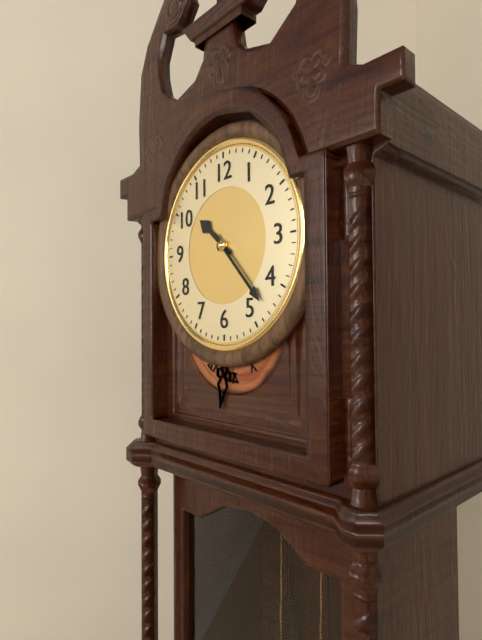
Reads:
{"hour": 10, "minute": 23}
